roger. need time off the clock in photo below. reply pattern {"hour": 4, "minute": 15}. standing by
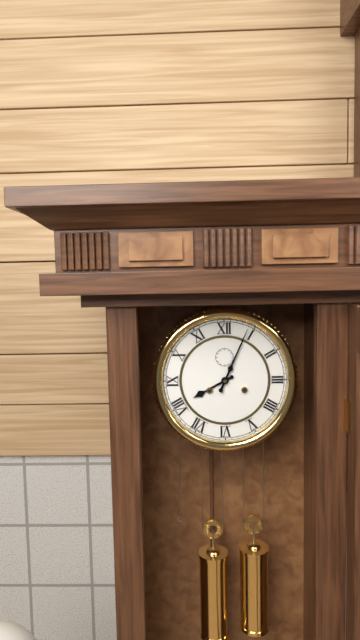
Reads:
{"hour": 8, "minute": 4}
